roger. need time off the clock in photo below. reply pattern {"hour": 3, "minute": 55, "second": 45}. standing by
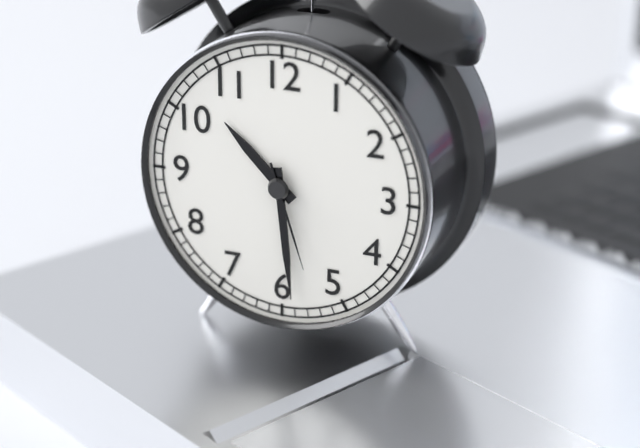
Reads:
{"hour": 10, "minute": 29, "second": 27}
